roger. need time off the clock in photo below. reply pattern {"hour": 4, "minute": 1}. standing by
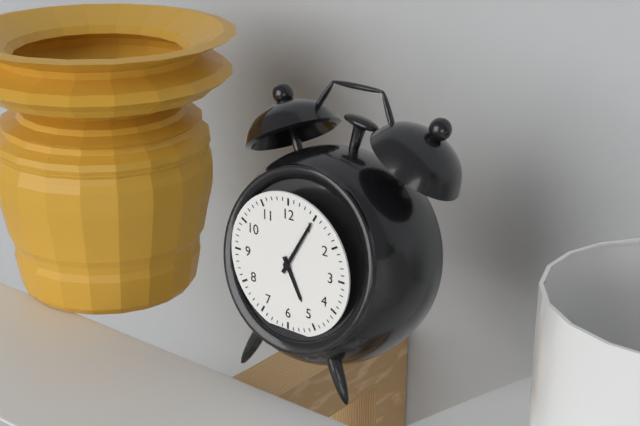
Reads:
{"hour": 5, "minute": 5}
